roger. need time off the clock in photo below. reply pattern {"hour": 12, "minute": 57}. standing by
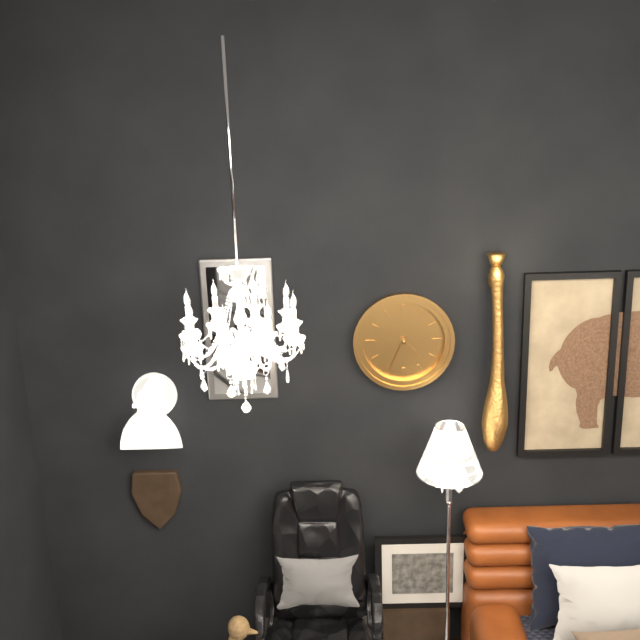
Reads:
{"hour": 4, "minute": 34}
